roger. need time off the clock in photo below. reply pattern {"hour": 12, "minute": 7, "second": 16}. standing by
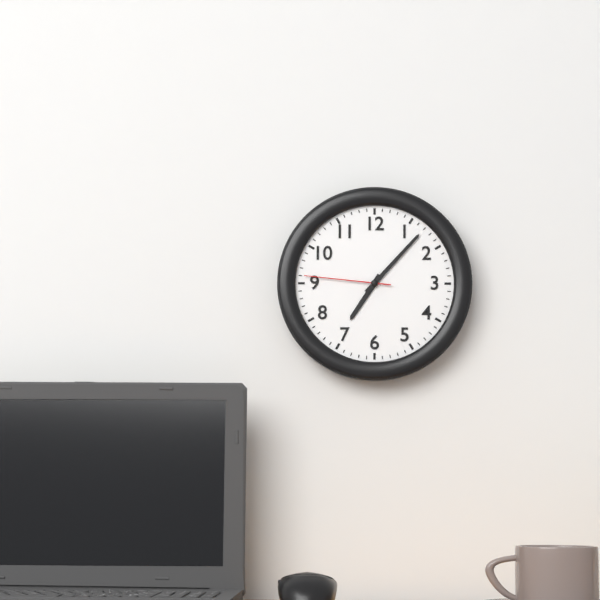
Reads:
{"hour": 7, "minute": 7, "second": 46}
